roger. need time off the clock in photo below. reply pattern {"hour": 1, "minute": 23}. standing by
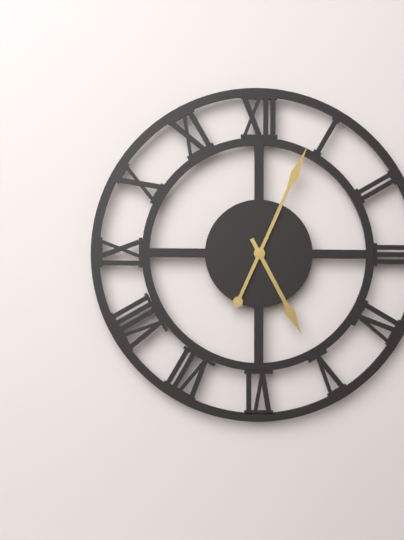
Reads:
{"hour": 5, "minute": 4}
